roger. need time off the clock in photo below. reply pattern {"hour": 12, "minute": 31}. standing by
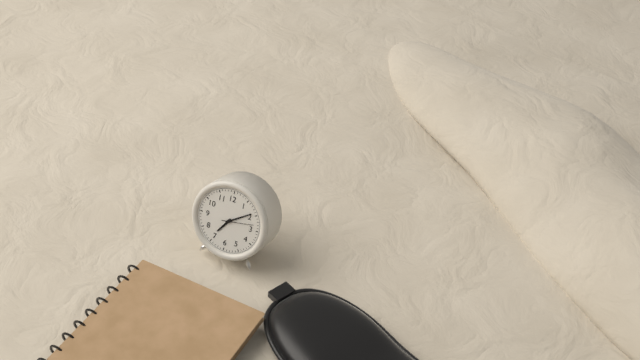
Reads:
{"hour": 7, "minute": 9}
